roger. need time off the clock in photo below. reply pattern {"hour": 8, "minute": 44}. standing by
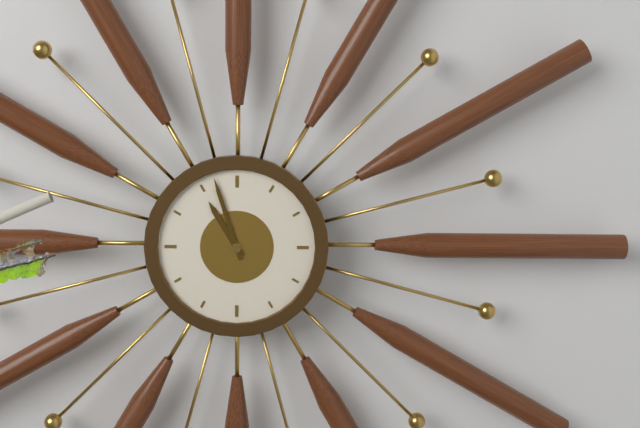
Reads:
{"hour": 10, "minute": 57}
